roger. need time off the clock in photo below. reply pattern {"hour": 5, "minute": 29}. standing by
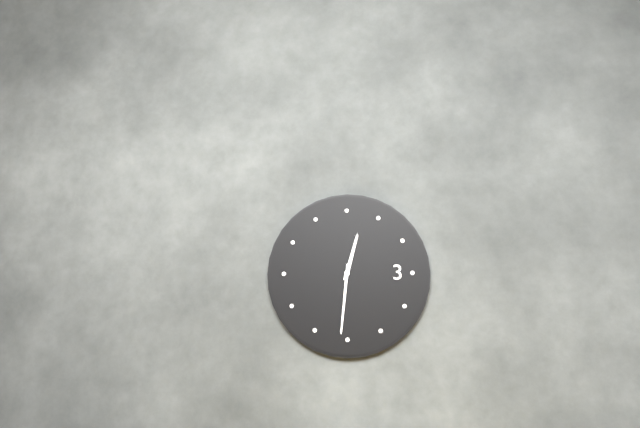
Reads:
{"hour": 12, "minute": 31}
